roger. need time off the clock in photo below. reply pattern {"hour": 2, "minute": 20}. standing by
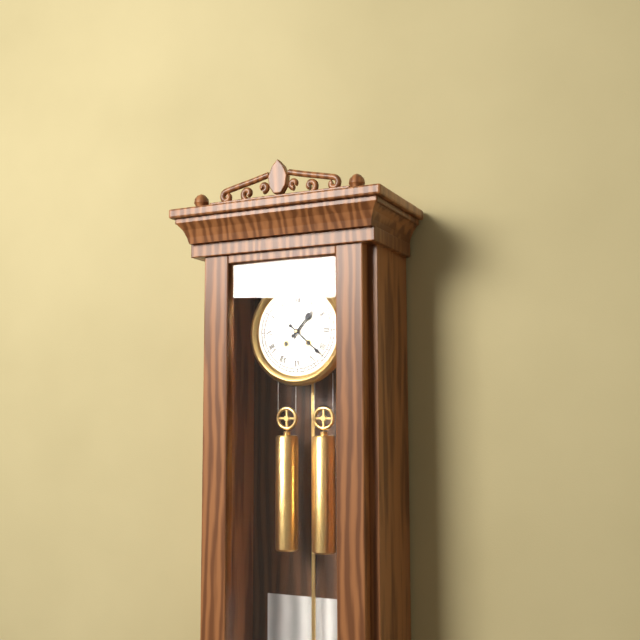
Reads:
{"hour": 1, "minute": 22}
